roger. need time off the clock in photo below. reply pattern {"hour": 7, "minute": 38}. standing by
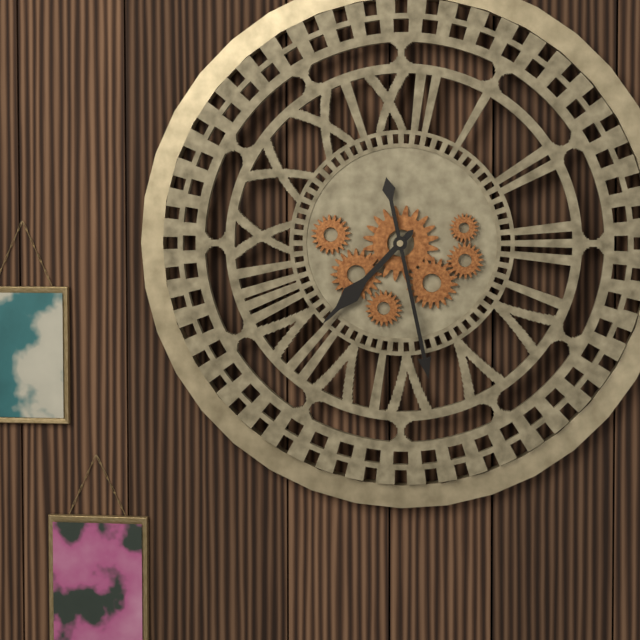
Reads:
{"hour": 7, "minute": 28}
